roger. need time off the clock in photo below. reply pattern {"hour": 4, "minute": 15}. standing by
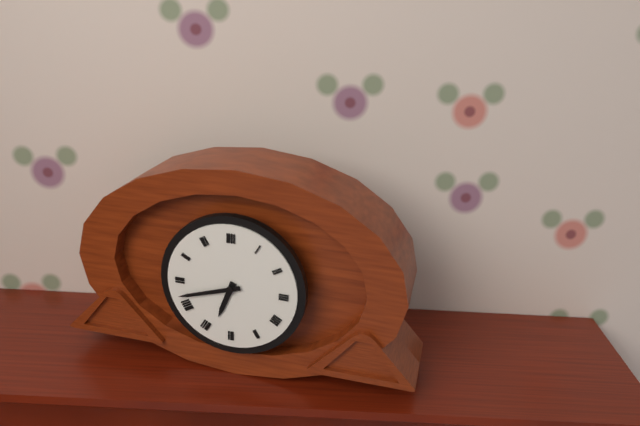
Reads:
{"hour": 6, "minute": 42}
